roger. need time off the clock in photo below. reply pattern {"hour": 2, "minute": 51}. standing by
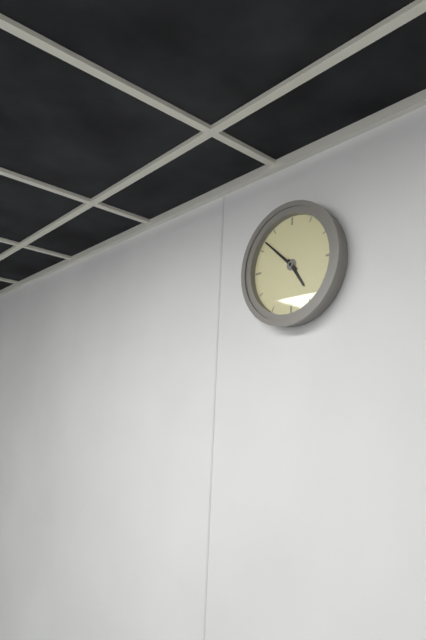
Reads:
{"hour": 4, "minute": 52}
